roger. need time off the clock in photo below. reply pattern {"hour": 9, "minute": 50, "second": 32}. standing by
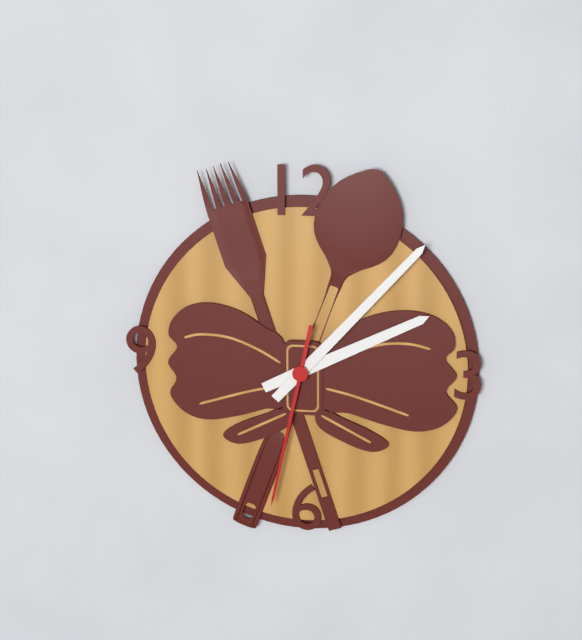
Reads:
{"hour": 2, "minute": 7, "second": 32}
